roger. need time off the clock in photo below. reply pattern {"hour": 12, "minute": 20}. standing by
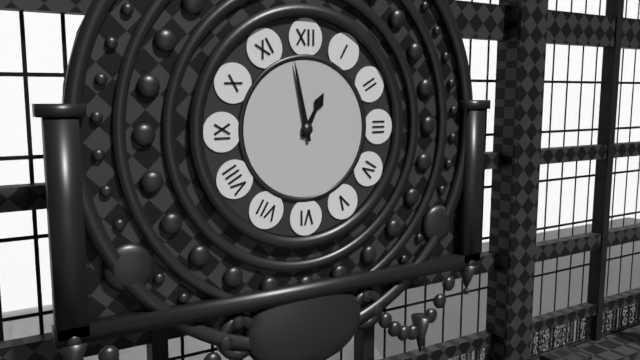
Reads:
{"hour": 12, "minute": 58}
